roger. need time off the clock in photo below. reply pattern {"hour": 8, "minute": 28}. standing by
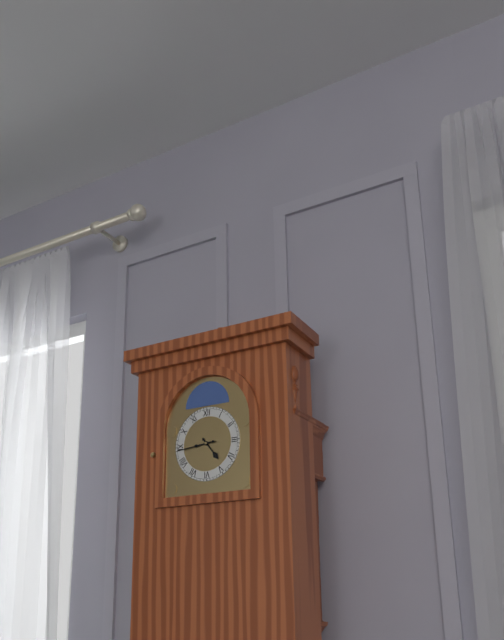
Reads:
{"hour": 4, "minute": 44}
